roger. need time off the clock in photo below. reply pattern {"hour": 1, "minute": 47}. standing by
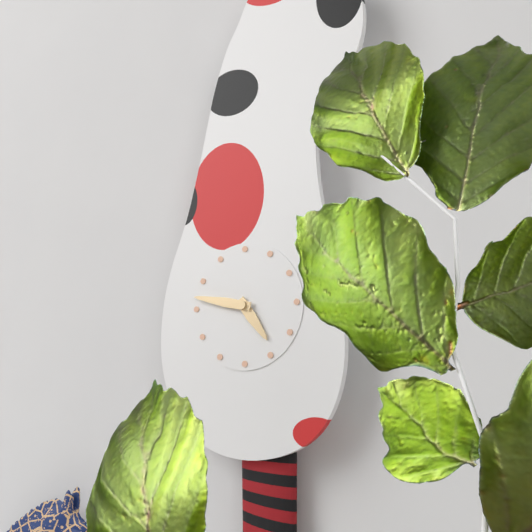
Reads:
{"hour": 4, "minute": 47}
